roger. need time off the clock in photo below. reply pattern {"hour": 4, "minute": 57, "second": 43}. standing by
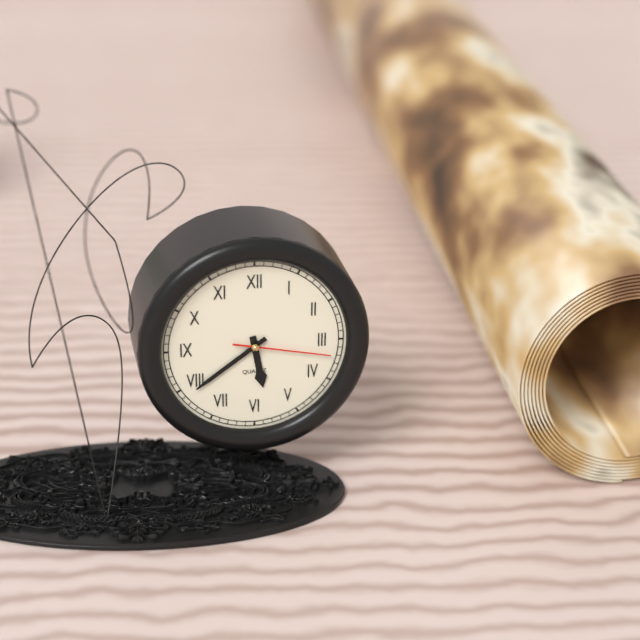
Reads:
{"hour": 5, "minute": 39, "second": 17}
